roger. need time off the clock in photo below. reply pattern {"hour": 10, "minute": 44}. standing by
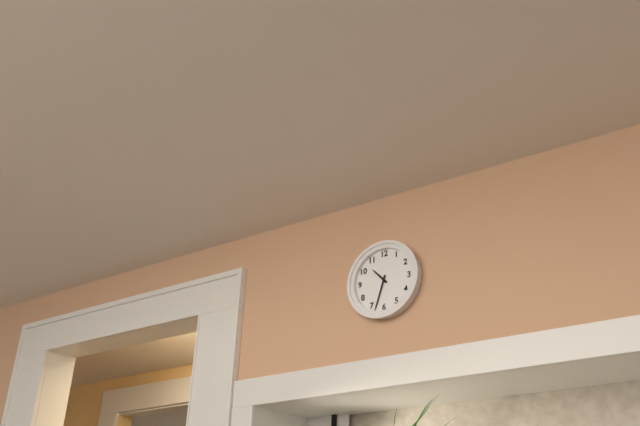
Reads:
{"hour": 10, "minute": 33}
